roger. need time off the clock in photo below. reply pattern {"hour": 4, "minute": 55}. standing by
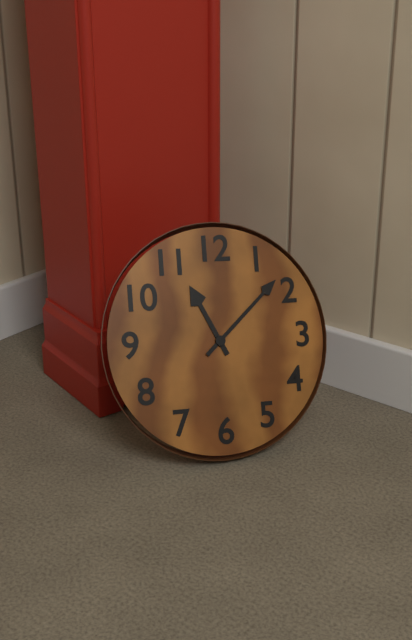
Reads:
{"hour": 11, "minute": 8}
